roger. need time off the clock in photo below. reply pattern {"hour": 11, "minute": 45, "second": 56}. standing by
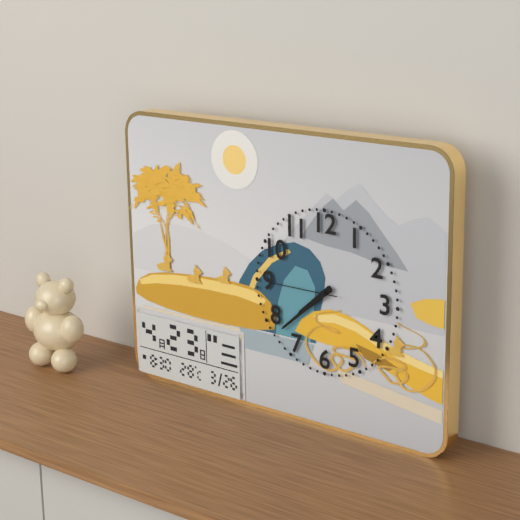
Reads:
{"hour": 7, "minute": 38, "second": 45}
